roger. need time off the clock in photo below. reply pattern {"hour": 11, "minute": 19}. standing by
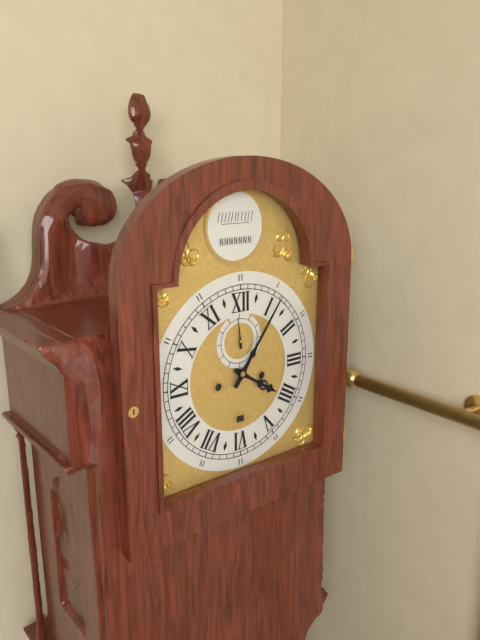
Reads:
{"hour": 4, "minute": 6}
